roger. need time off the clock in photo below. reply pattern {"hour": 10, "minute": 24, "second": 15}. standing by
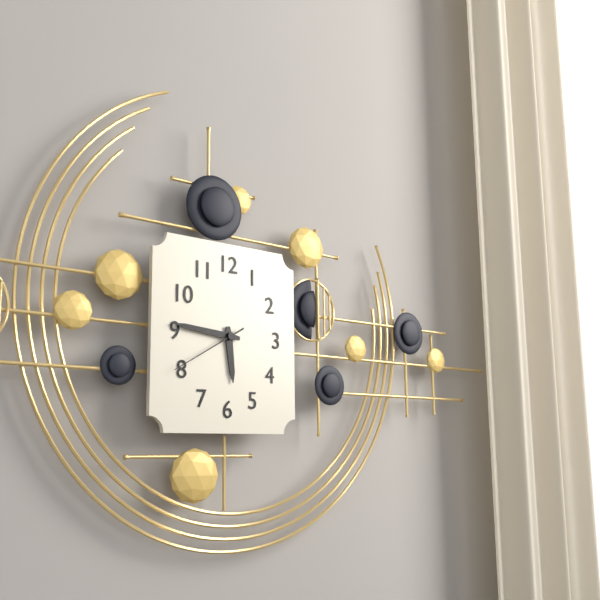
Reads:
{"hour": 5, "minute": 46, "second": 40}
